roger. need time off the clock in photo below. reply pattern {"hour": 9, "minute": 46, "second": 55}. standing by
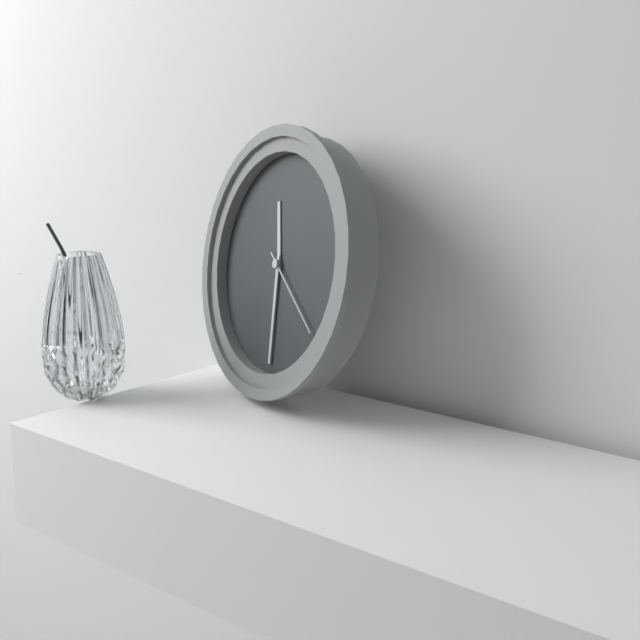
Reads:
{"hour": 11, "minute": 29, "second": 21}
